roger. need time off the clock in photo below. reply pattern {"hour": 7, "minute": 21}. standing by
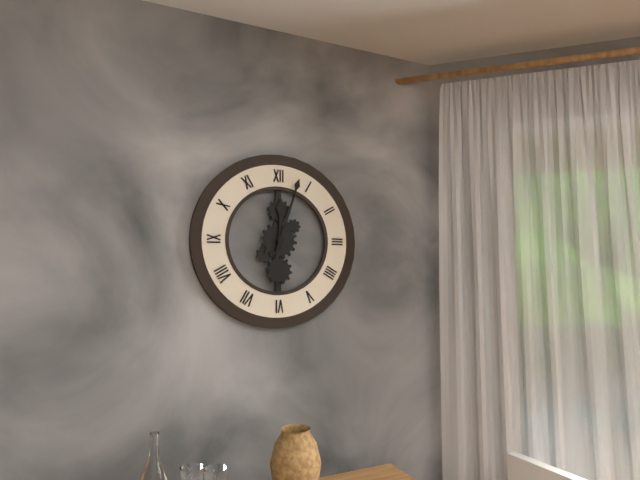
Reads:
{"hour": 12, "minute": 3}
